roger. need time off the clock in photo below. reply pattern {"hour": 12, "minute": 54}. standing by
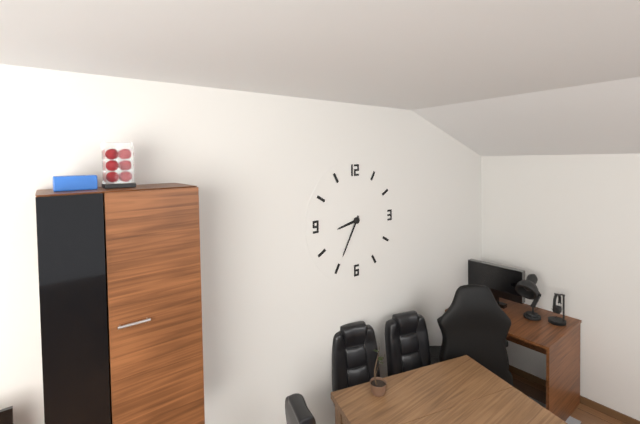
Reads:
{"hour": 8, "minute": 35}
